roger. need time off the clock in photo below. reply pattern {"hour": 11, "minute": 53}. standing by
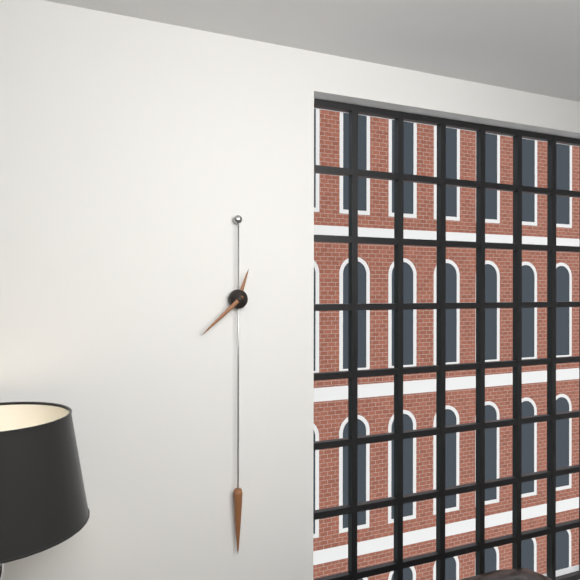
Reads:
{"hour": 12, "minute": 38}
